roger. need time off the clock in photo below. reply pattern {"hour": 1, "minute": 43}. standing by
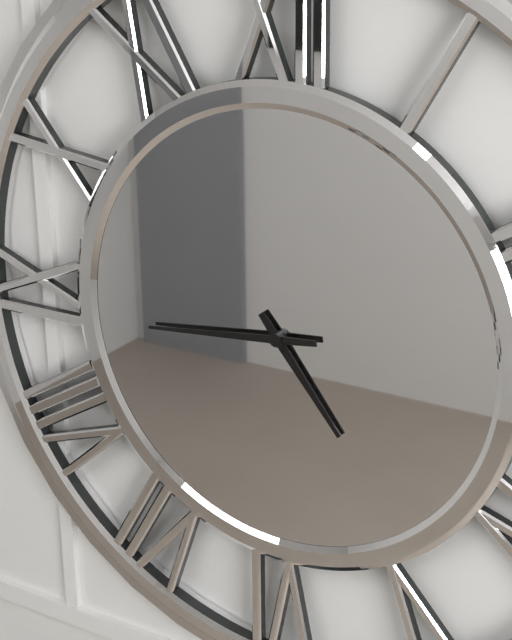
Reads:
{"hour": 4, "minute": 44}
